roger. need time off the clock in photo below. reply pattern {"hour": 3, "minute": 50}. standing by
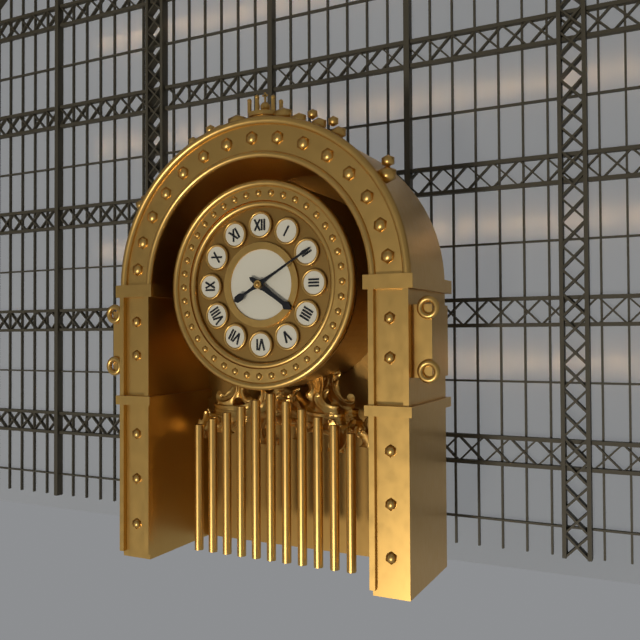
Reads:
{"hour": 4, "minute": 10}
